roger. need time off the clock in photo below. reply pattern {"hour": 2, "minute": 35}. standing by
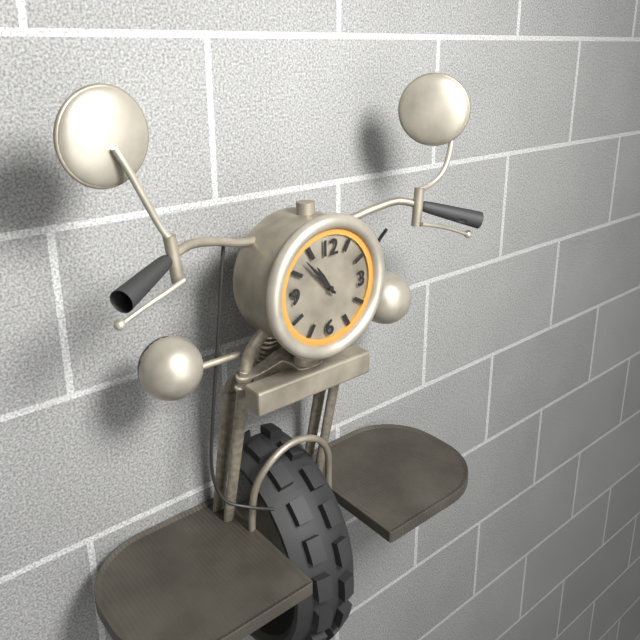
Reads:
{"hour": 10, "minute": 53}
